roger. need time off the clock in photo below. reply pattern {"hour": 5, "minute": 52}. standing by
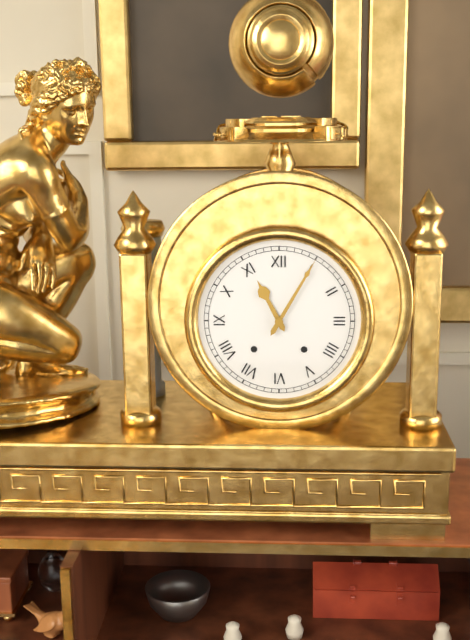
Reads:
{"hour": 11, "minute": 5}
